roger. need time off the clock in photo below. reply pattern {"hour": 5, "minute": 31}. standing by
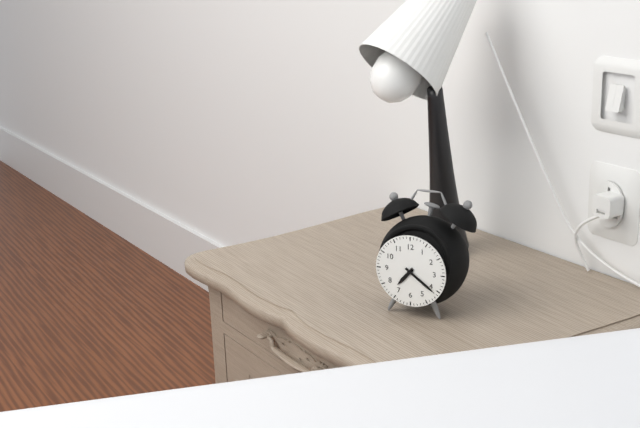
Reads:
{"hour": 7, "minute": 21}
